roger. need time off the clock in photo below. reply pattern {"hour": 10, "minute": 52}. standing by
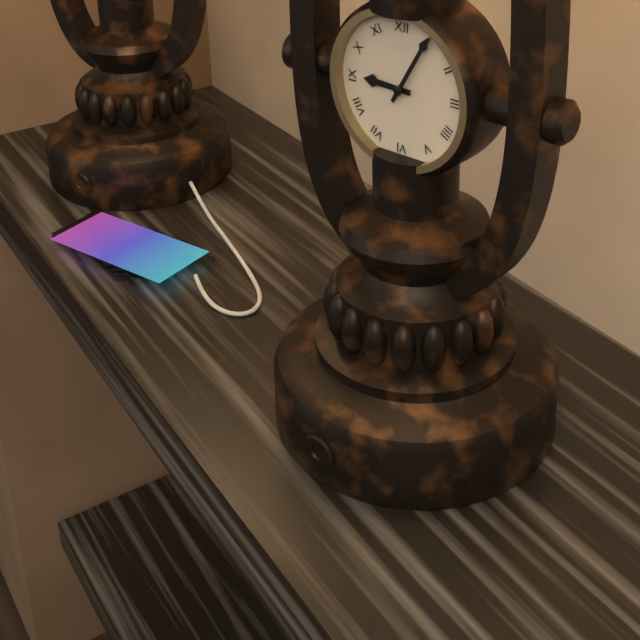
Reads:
{"hour": 9, "minute": 5}
